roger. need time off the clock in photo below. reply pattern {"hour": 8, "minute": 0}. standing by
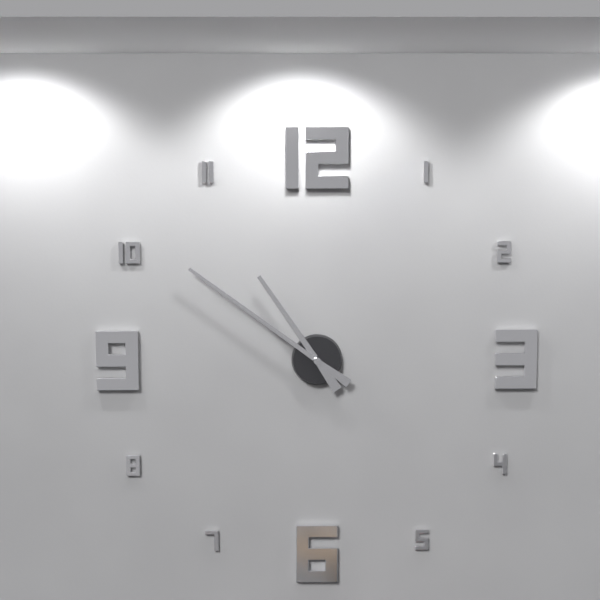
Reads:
{"hour": 10, "minute": 51}
